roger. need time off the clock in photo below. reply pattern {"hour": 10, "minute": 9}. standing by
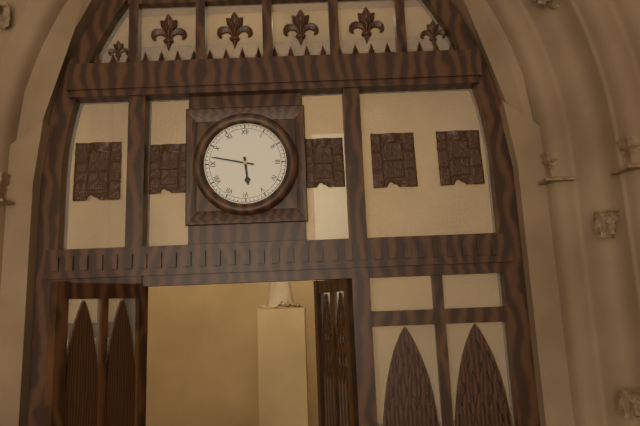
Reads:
{"hour": 5, "minute": 47}
